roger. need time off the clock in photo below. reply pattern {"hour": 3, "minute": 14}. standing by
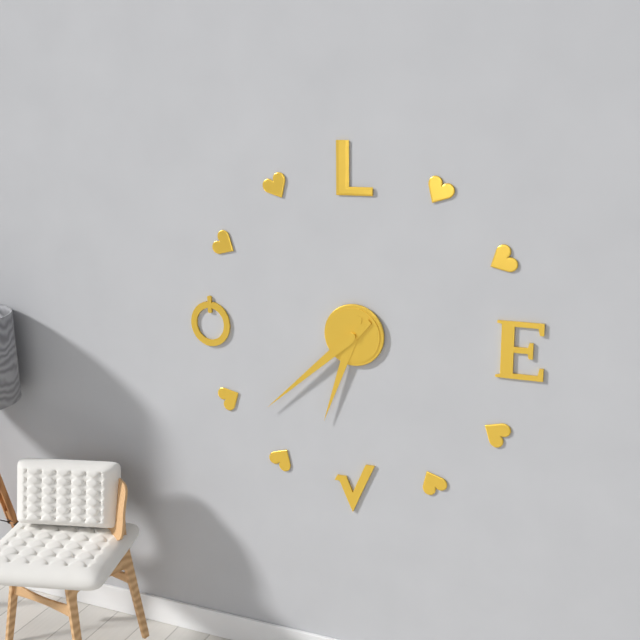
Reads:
{"hour": 6, "minute": 38}
